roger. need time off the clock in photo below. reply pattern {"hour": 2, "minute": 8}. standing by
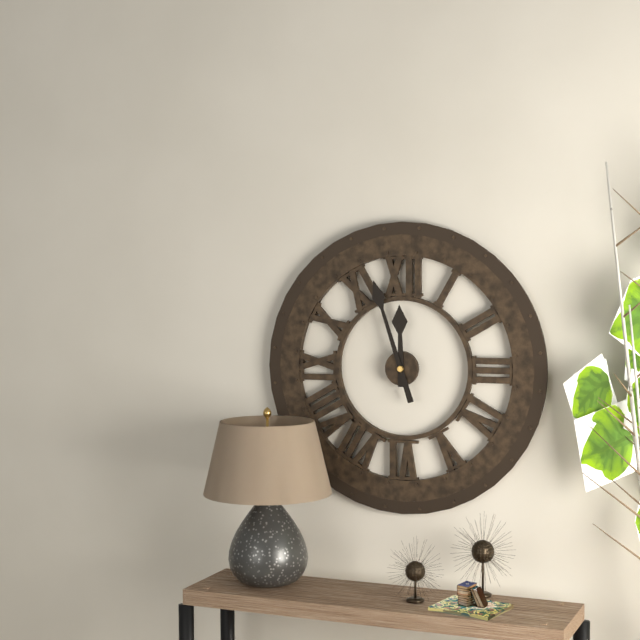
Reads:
{"hour": 11, "minute": 57}
